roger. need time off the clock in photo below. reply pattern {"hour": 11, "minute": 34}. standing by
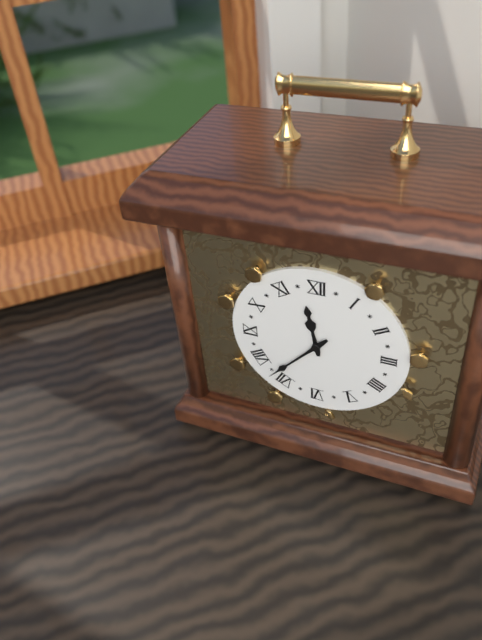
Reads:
{"hour": 11, "minute": 37}
